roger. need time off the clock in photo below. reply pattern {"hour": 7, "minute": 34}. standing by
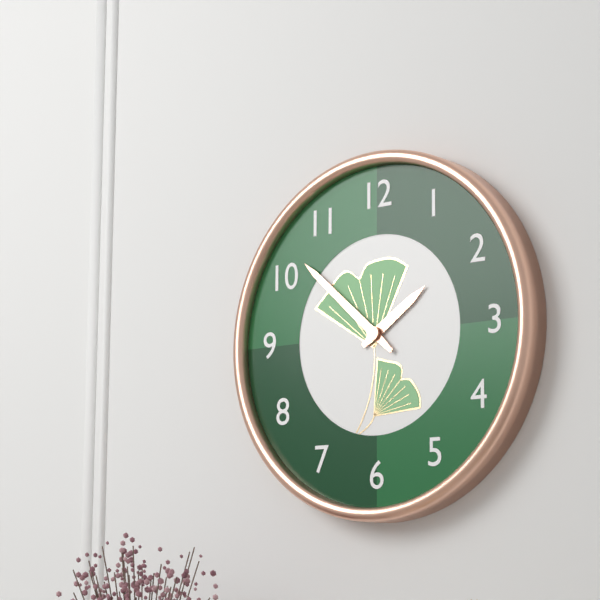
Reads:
{"hour": 1, "minute": 52}
